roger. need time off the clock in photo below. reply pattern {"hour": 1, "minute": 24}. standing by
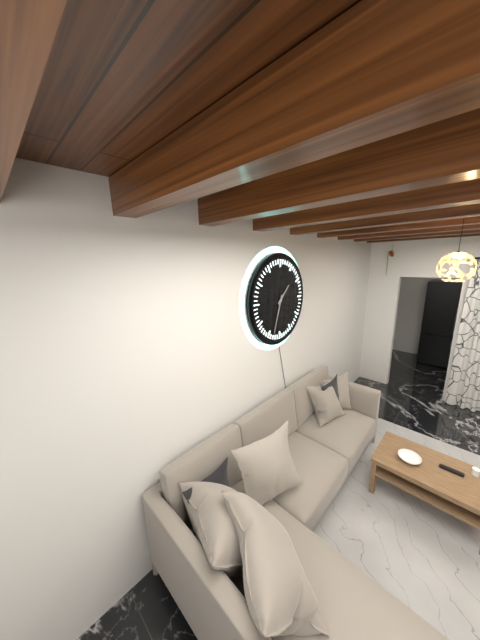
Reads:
{"hour": 1, "minute": 33}
